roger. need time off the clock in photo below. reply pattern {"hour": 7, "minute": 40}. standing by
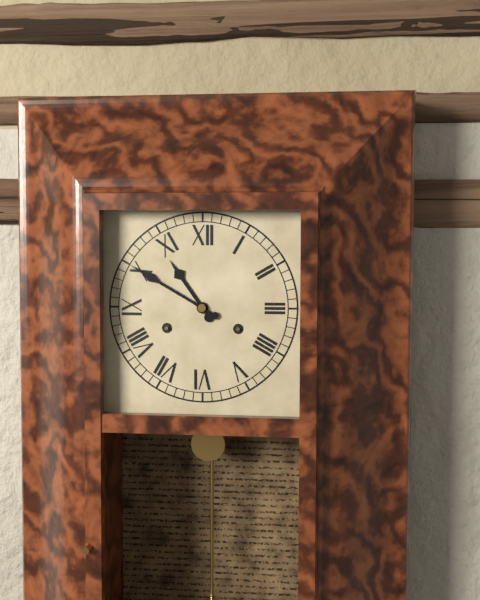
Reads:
{"hour": 10, "minute": 50}
